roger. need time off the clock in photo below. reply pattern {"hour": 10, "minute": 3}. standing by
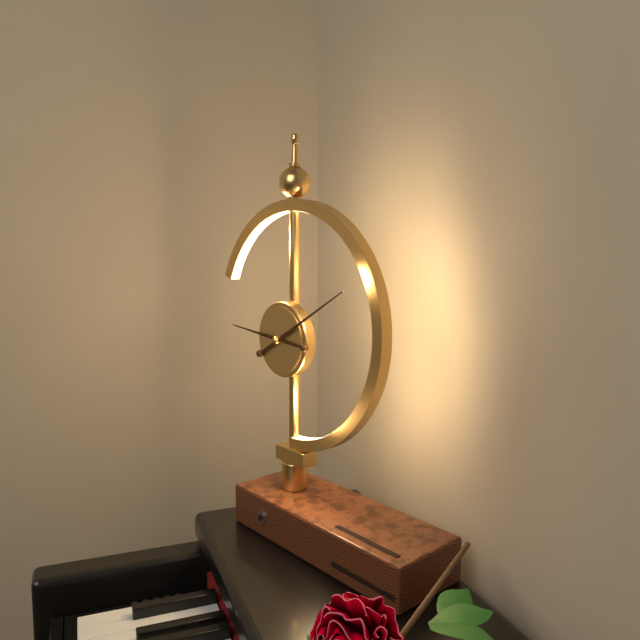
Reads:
{"hour": 9, "minute": 10}
